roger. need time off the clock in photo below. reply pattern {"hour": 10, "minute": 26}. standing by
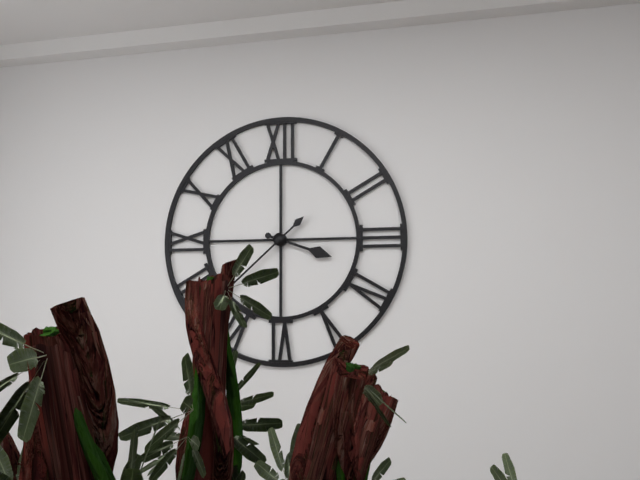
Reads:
{"hour": 3, "minute": 38}
